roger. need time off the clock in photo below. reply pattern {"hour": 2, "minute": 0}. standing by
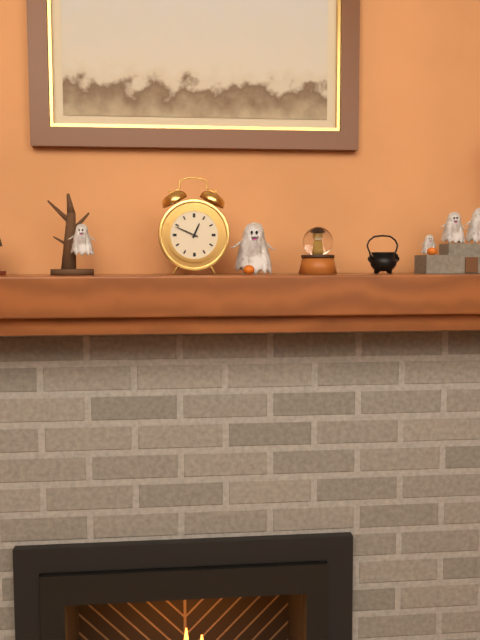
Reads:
{"hour": 12, "minute": 49}
